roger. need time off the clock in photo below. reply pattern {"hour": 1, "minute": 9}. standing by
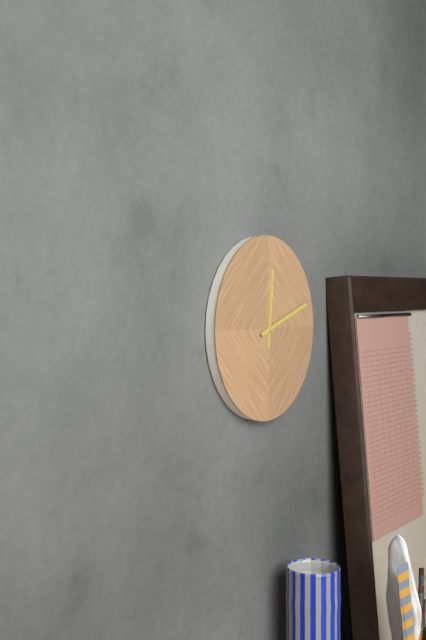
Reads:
{"hour": 12, "minute": 12}
